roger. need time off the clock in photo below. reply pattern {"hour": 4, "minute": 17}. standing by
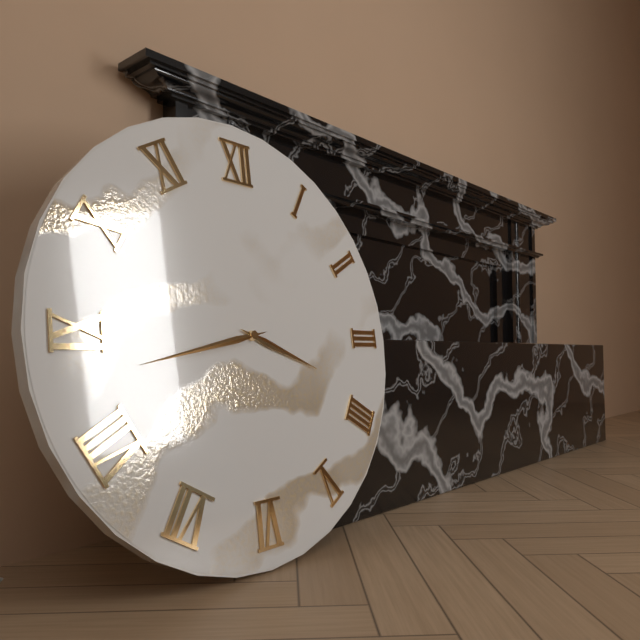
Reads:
{"hour": 3, "minute": 43}
